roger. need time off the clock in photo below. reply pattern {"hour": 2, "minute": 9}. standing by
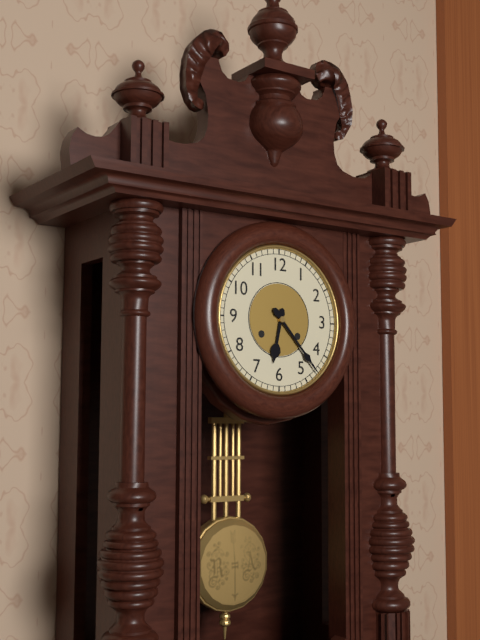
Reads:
{"hour": 6, "minute": 23}
